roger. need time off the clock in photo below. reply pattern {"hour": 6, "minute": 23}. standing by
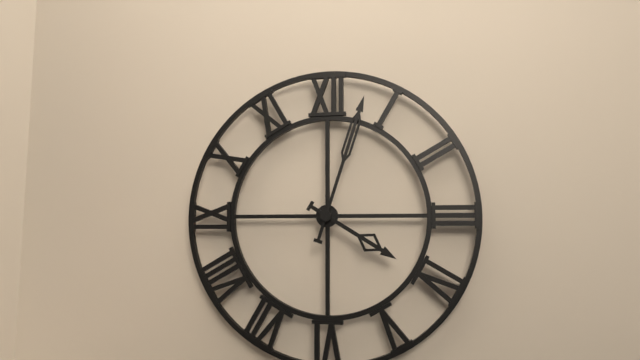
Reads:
{"hour": 4, "minute": 3}
